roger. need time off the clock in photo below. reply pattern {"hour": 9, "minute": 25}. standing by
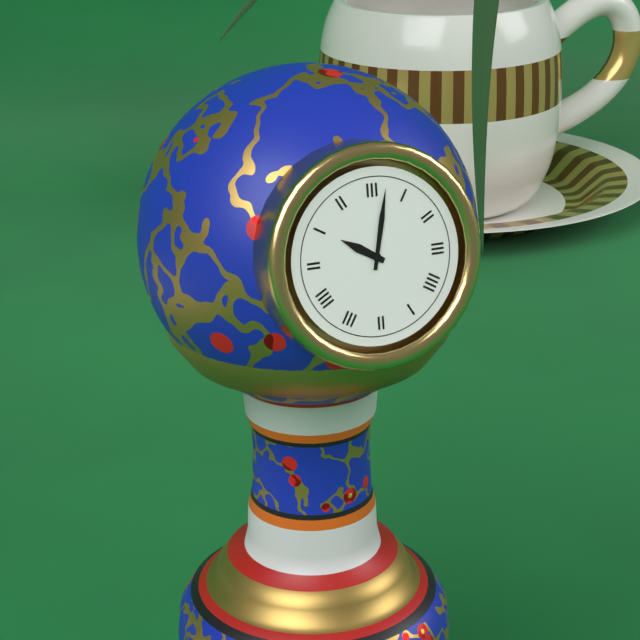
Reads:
{"hour": 10, "minute": 2}
